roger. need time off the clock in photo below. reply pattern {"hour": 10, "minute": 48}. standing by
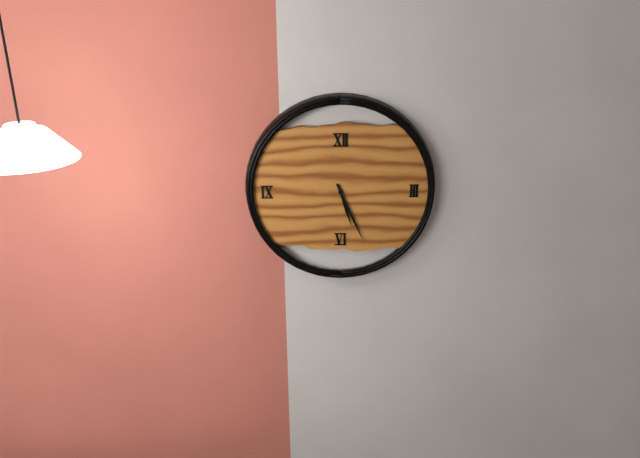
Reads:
{"hour": 5, "minute": 26}
